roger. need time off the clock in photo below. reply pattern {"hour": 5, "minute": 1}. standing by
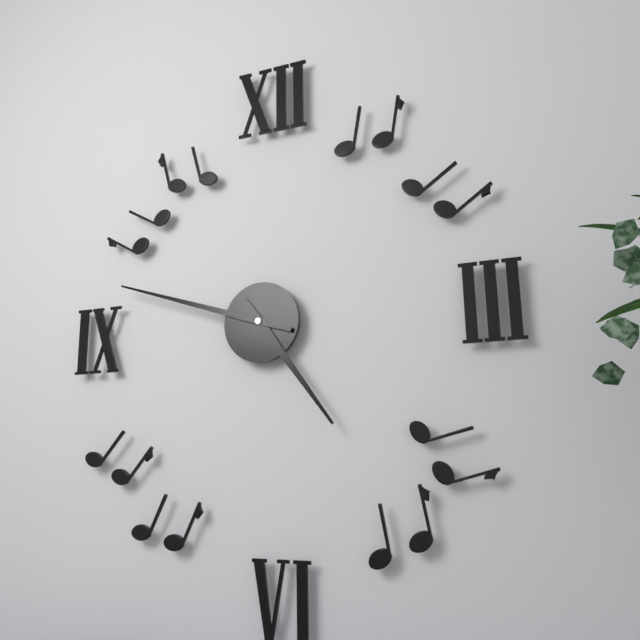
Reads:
{"hour": 4, "minute": 48}
